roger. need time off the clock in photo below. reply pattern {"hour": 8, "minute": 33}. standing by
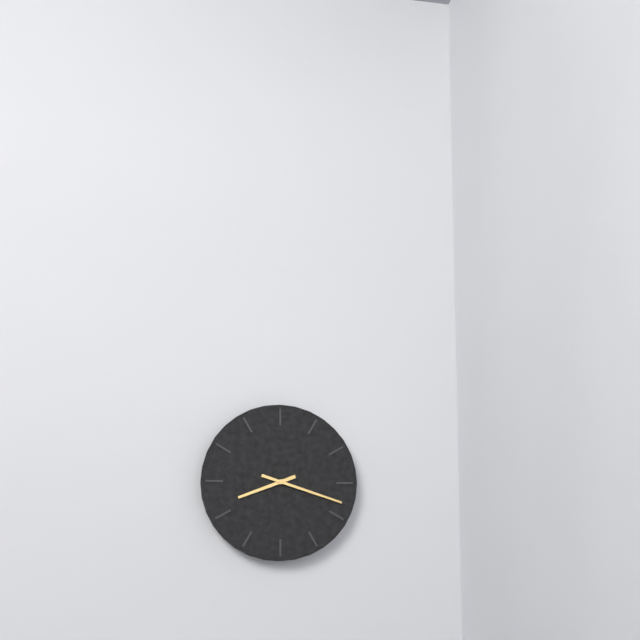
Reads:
{"hour": 8, "minute": 18}
